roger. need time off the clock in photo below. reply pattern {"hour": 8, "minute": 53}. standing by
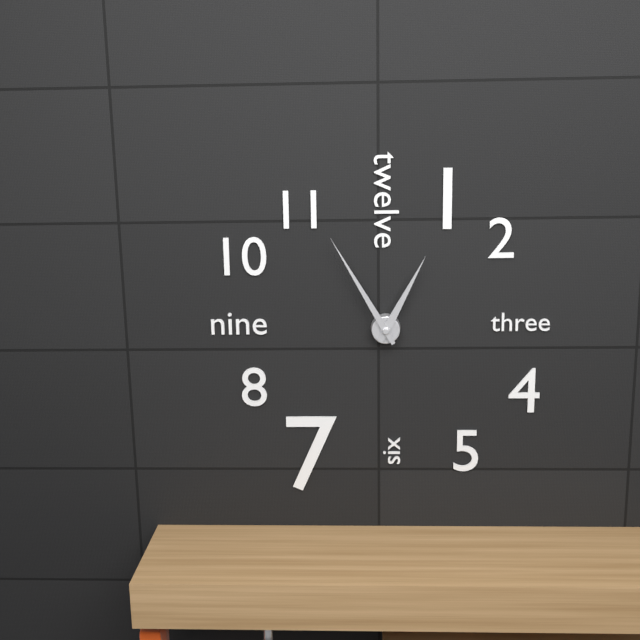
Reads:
{"hour": 12, "minute": 55}
